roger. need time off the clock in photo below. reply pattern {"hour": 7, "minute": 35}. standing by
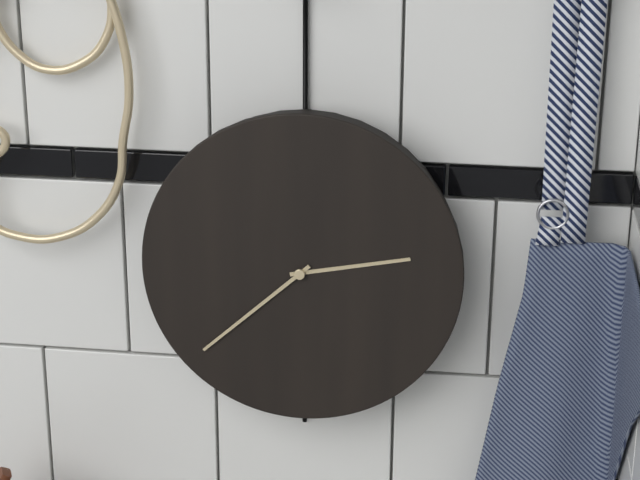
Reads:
{"hour": 2, "minute": 38}
